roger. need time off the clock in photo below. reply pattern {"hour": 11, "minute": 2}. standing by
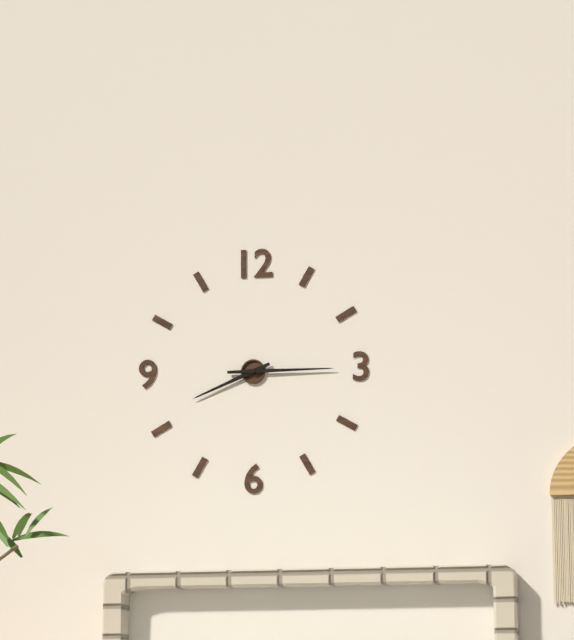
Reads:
{"hour": 8, "minute": 15}
